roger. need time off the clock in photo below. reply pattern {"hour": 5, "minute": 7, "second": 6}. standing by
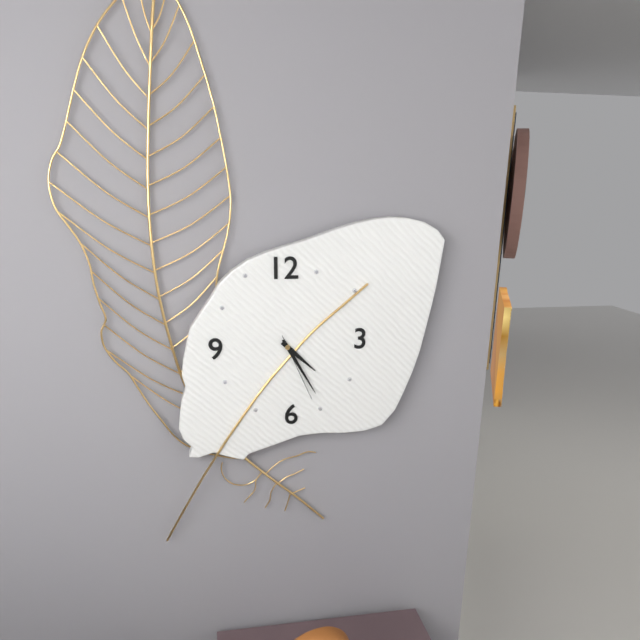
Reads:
{"hour": 4, "minute": 25, "second": 26}
